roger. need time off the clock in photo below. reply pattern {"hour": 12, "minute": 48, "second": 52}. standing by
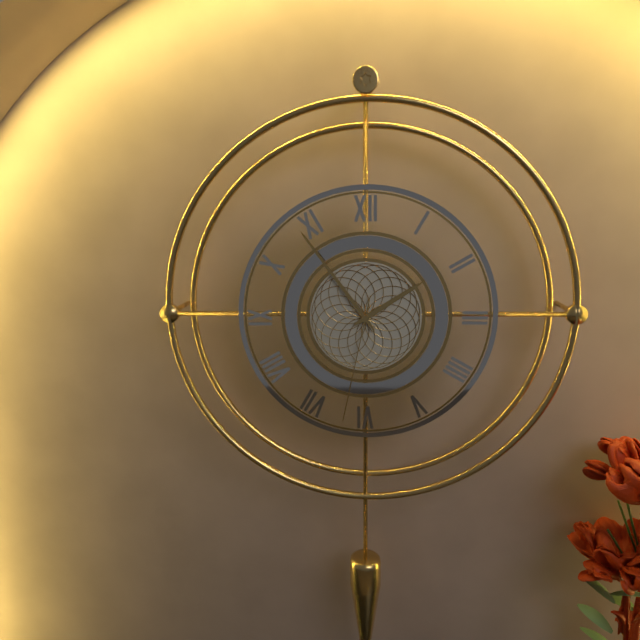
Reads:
{"hour": 1, "minute": 54, "second": 32}
